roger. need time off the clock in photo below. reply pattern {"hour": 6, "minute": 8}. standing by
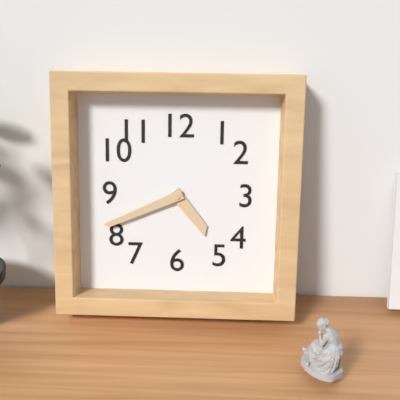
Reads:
{"hour": 4, "minute": 41}
